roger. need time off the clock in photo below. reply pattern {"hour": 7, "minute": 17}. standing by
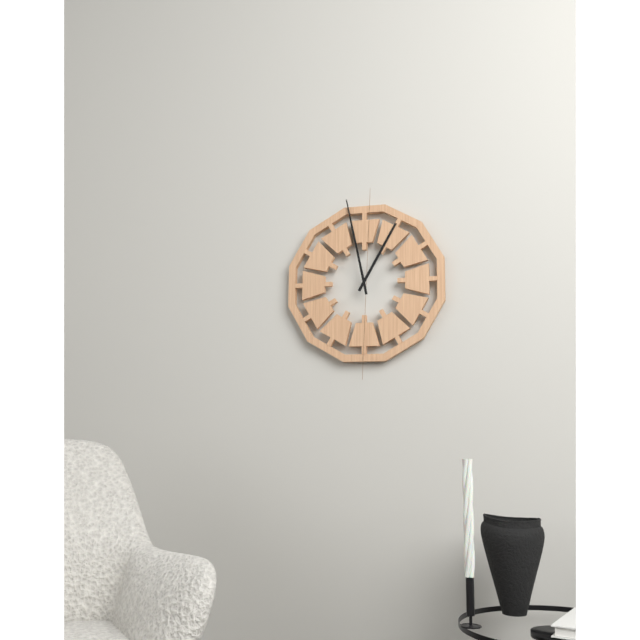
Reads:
{"hour": 12, "minute": 58}
